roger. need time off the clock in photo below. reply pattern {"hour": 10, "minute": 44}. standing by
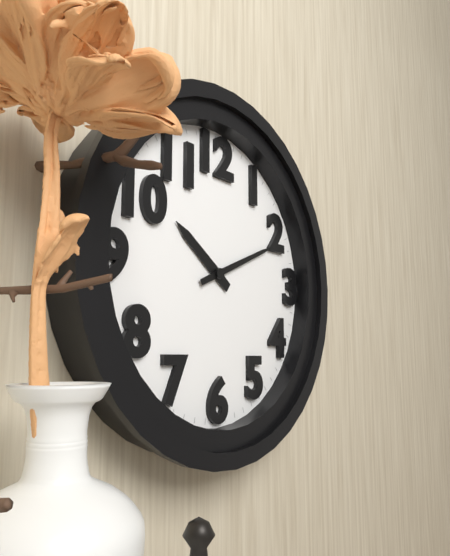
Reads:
{"hour": 10, "minute": 11}
